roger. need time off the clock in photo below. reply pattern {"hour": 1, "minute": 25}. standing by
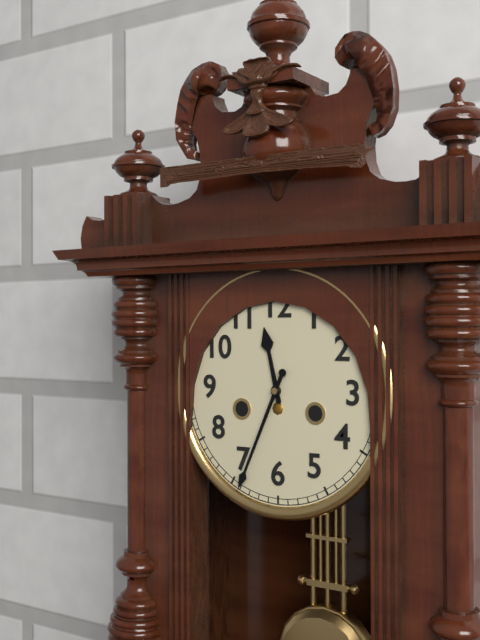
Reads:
{"hour": 11, "minute": 34}
